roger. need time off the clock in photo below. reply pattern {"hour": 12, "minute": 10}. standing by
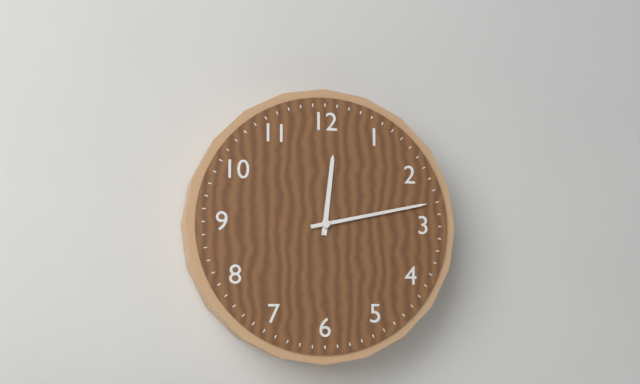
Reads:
{"hour": 12, "minute": 13}
